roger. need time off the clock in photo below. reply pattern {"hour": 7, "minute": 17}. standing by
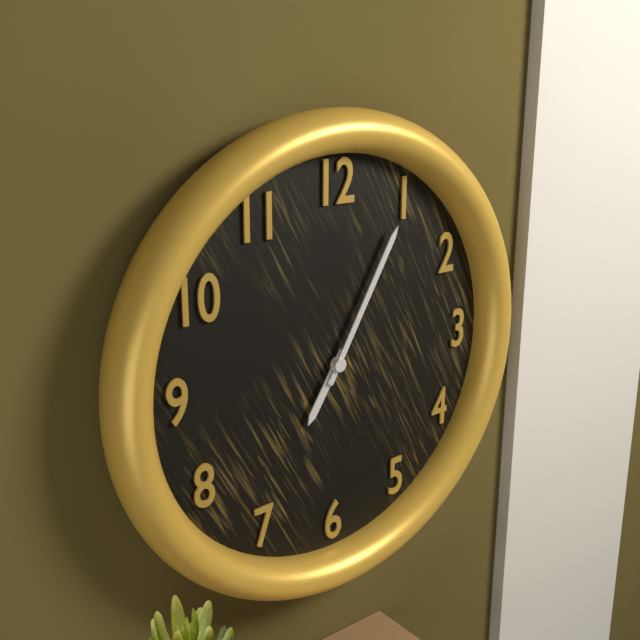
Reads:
{"hour": 7, "minute": 5}
